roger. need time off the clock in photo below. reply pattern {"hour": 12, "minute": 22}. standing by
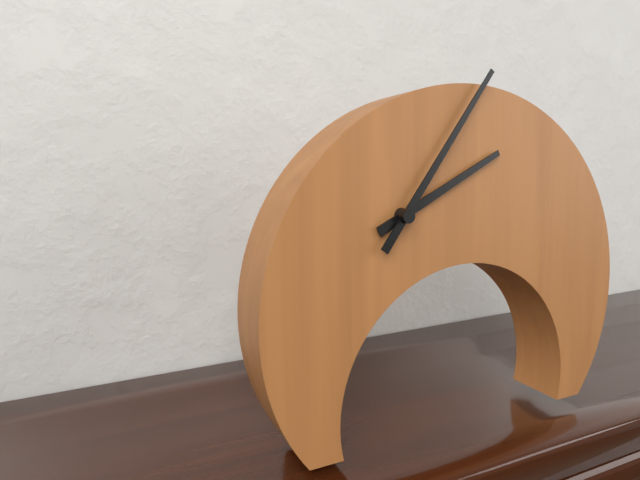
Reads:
{"hour": 2, "minute": 6}
